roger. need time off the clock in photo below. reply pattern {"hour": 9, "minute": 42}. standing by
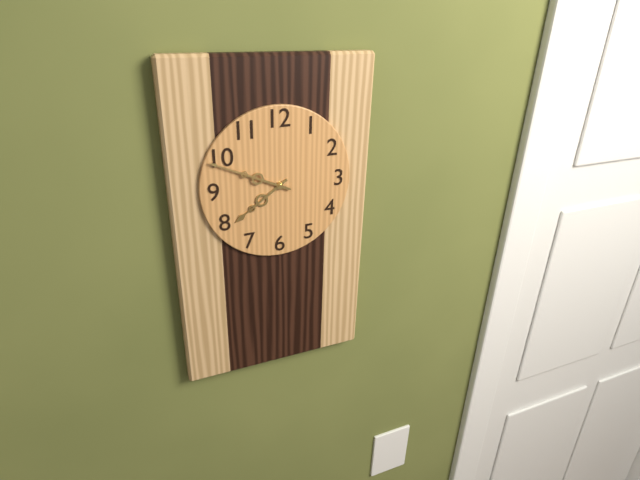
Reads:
{"hour": 7, "minute": 49}
